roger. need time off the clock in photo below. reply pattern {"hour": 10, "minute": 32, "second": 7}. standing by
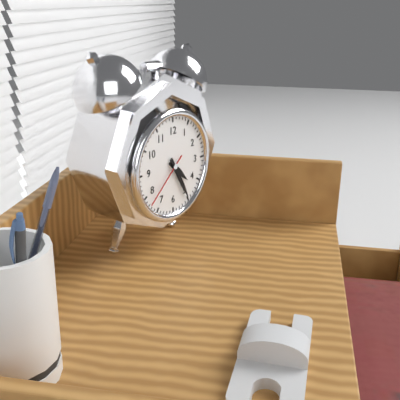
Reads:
{"hour": 4, "minute": 25, "second": 38}
